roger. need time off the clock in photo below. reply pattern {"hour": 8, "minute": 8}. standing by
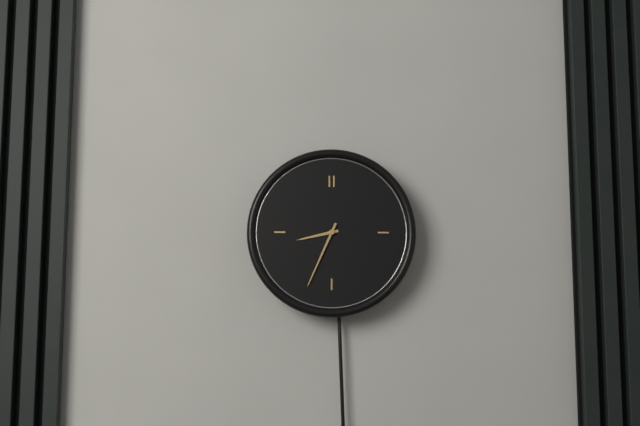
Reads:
{"hour": 8, "minute": 34}
